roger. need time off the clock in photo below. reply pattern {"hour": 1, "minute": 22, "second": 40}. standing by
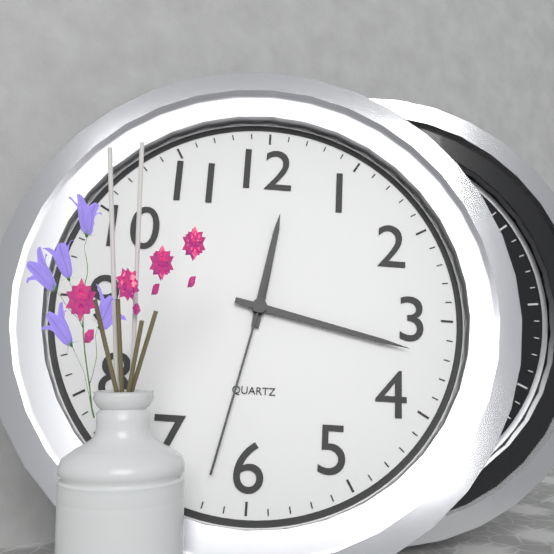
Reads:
{"hour": 12, "minute": 17, "second": 32}
